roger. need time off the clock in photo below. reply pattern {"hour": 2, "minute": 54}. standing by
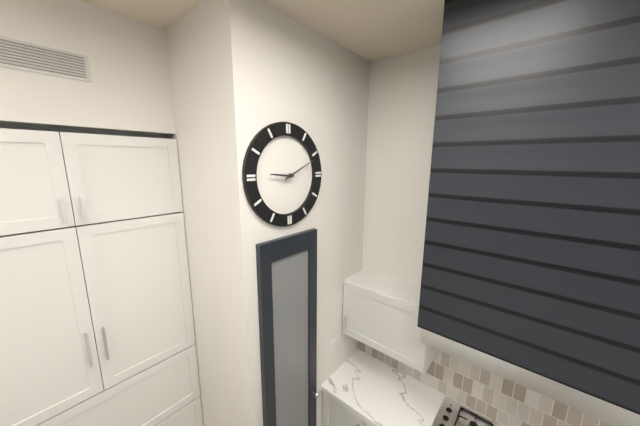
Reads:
{"hour": 9, "minute": 11}
